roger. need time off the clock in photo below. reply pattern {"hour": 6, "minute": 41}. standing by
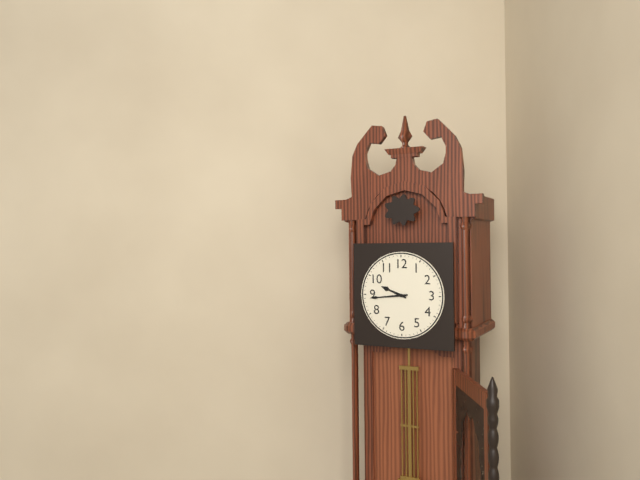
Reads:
{"hour": 9, "minute": 44}
